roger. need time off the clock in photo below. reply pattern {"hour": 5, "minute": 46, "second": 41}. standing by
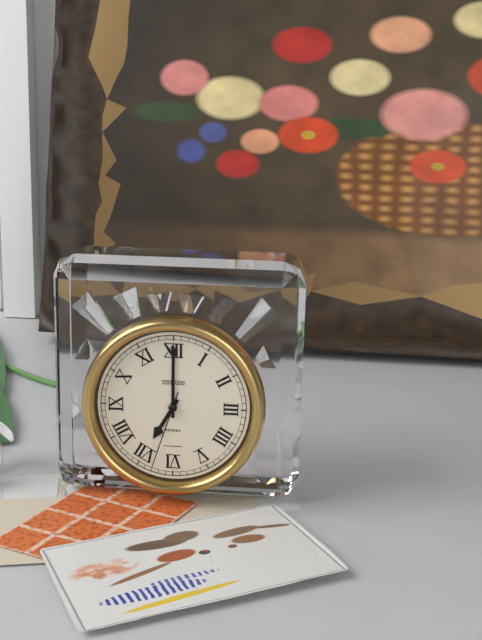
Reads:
{"hour": 7, "minute": 0, "second": 33}
